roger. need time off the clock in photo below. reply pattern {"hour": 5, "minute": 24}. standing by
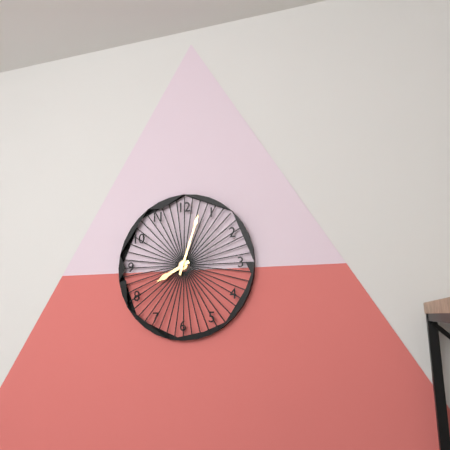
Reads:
{"hour": 8, "minute": 3}
